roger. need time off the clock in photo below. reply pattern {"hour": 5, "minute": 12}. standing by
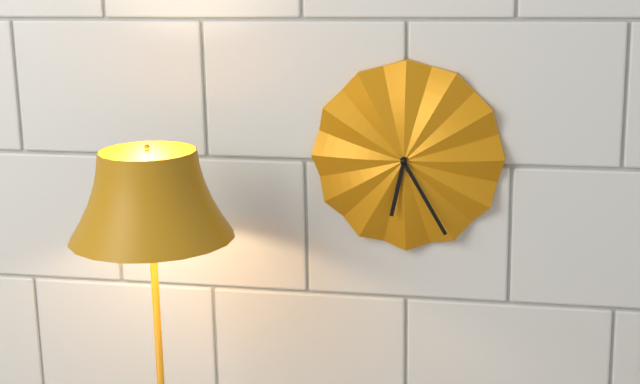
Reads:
{"hour": 6, "minute": 25}
